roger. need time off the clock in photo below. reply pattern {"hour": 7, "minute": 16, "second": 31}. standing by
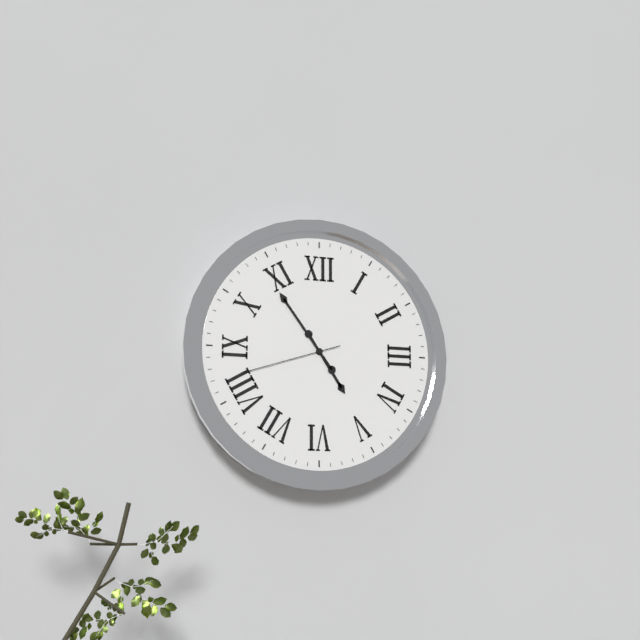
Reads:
{"hour": 4, "minute": 54, "second": 42}
